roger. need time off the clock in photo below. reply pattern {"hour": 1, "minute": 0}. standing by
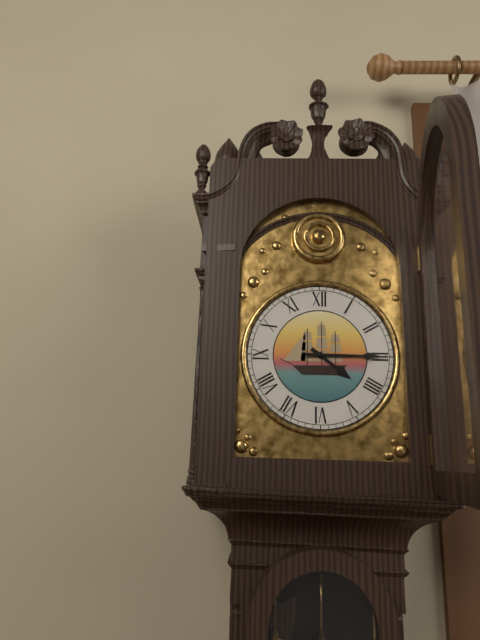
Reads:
{"hour": 4, "minute": 15}
